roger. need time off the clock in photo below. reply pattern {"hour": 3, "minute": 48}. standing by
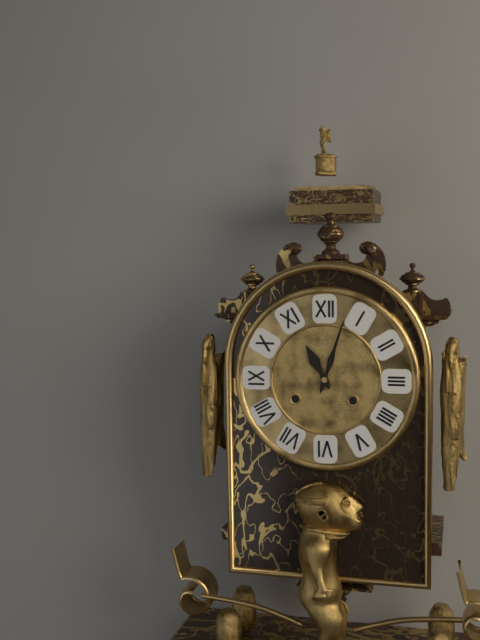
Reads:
{"hour": 11, "minute": 3}
